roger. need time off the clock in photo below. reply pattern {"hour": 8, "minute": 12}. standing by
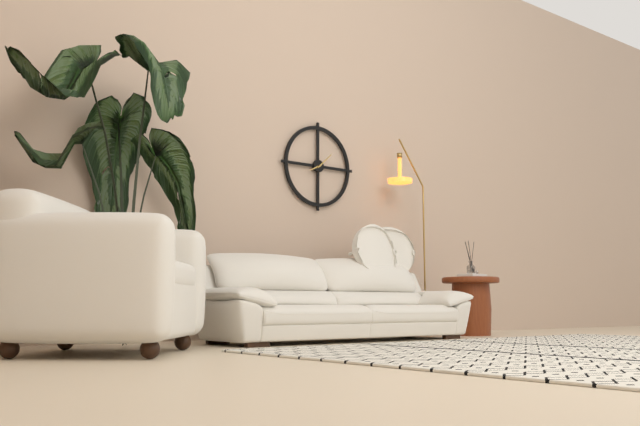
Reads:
{"hour": 8, "minute": 8}
